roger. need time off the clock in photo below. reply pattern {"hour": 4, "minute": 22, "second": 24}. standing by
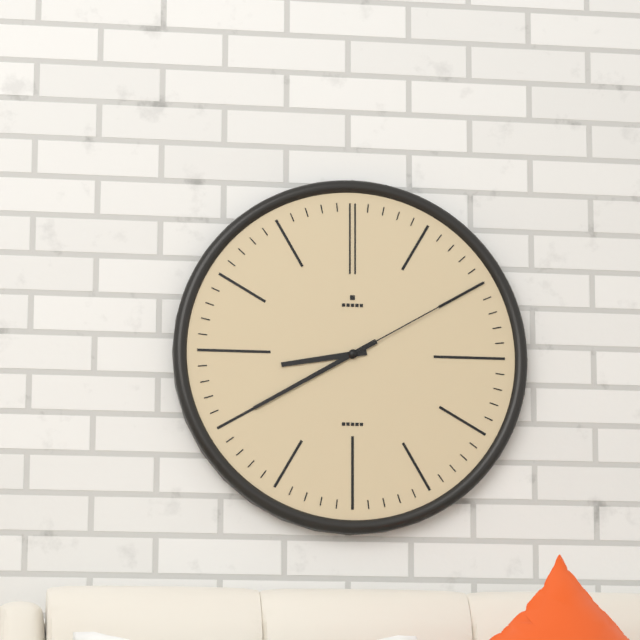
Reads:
{"hour": 8, "minute": 40, "second": 10}
